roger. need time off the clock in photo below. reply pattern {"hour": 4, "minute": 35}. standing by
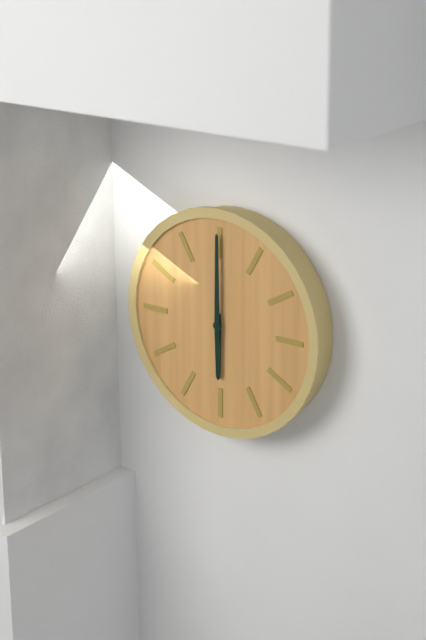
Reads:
{"hour": 6, "minute": 0}
